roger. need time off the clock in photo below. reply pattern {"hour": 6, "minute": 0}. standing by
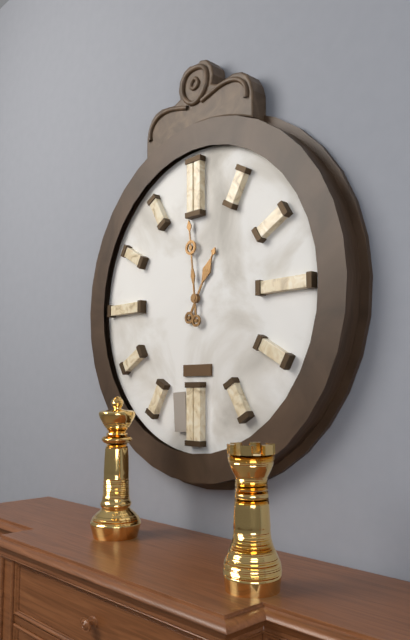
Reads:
{"hour": 12, "minute": 59}
